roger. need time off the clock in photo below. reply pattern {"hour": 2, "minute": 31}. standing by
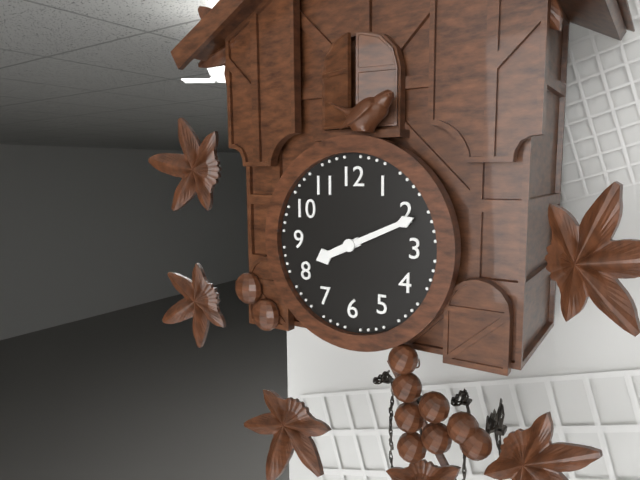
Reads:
{"hour": 8, "minute": 11}
